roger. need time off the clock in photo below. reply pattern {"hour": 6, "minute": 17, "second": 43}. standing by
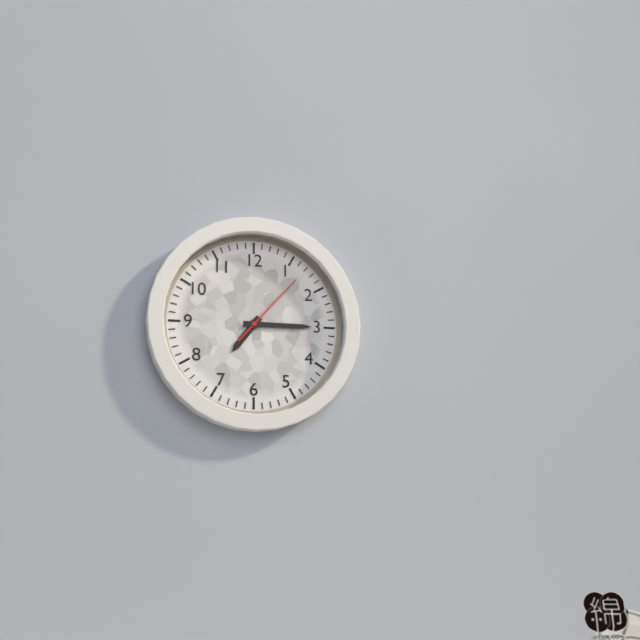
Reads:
{"hour": 7, "minute": 15, "second": 7}
